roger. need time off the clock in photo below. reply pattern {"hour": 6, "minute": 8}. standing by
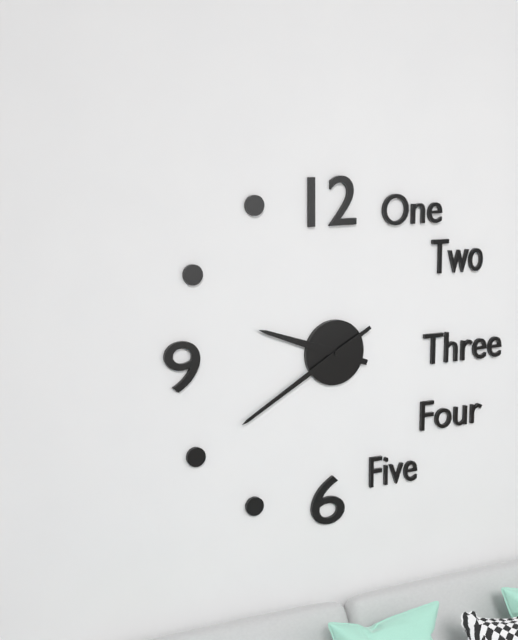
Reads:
{"hour": 9, "minute": 40}
